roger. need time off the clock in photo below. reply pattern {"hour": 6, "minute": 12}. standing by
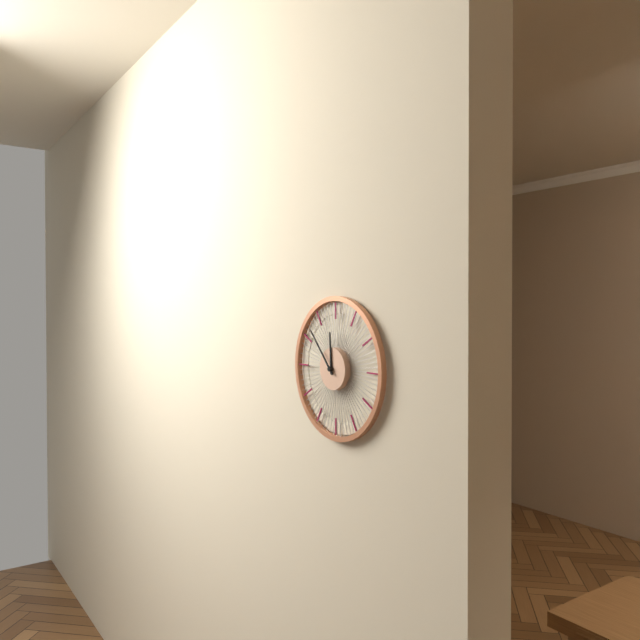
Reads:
{"hour": 11, "minute": 53}
